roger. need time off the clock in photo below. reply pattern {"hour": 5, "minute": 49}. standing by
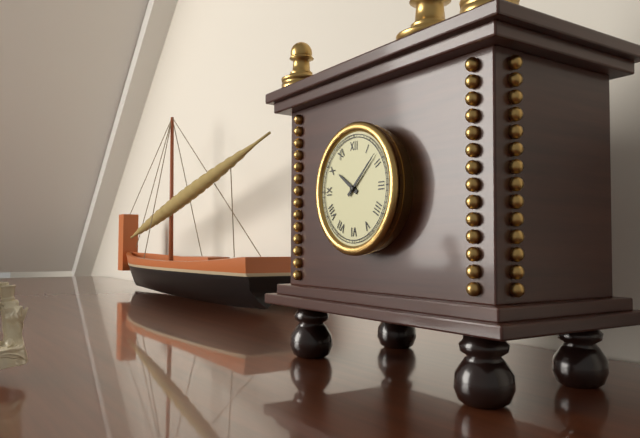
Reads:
{"hour": 10, "minute": 8}
